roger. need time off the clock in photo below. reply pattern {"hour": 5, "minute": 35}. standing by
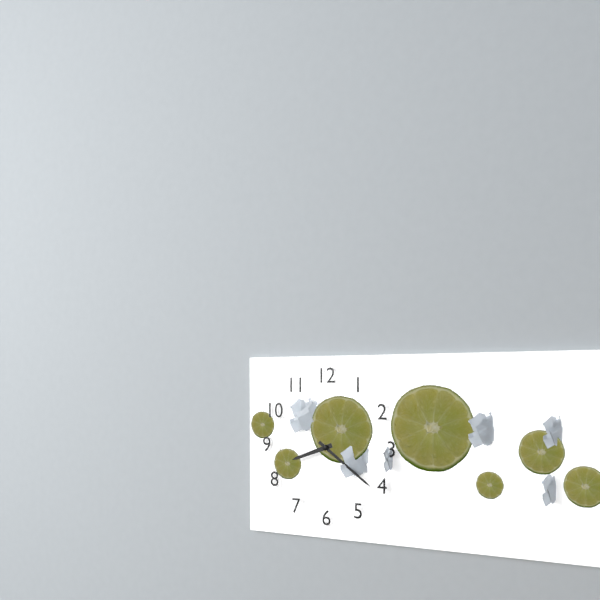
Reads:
{"hour": 8, "minute": 21}
